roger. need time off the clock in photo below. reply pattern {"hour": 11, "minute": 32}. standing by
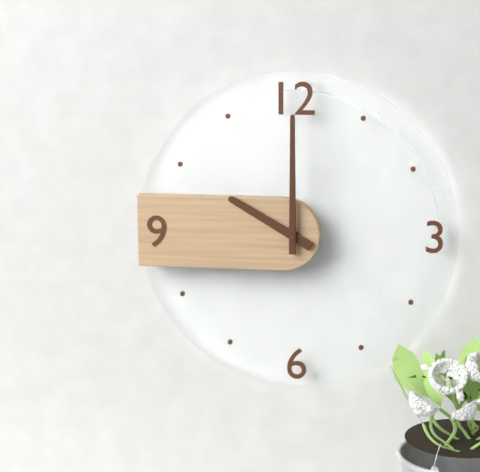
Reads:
{"hour": 10, "minute": 0}
